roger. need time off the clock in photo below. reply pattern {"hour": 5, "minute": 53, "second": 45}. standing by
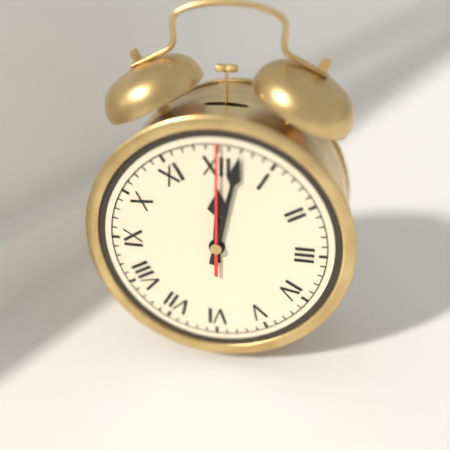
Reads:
{"hour": 12, "minute": 2, "second": 0}
